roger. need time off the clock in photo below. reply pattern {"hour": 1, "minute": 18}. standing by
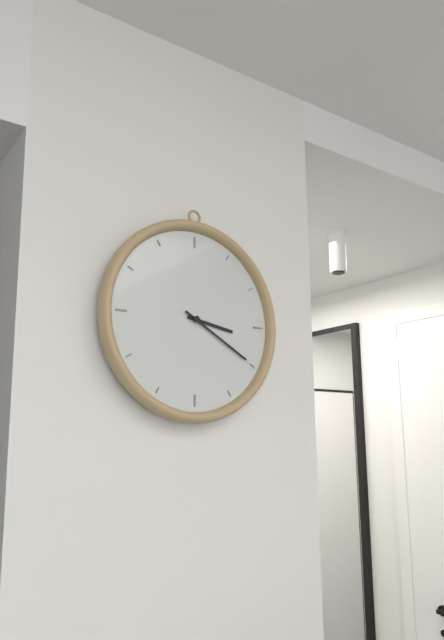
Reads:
{"hour": 3, "minute": 20}
